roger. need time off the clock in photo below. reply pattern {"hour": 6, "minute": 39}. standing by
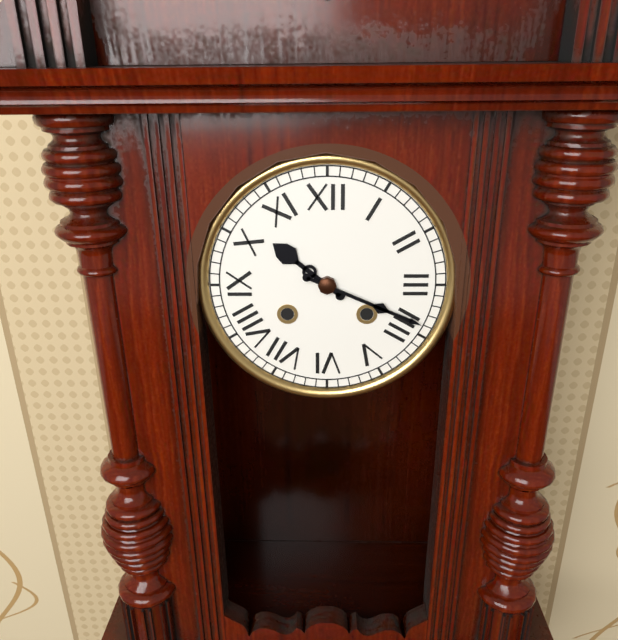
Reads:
{"hour": 10, "minute": 19}
